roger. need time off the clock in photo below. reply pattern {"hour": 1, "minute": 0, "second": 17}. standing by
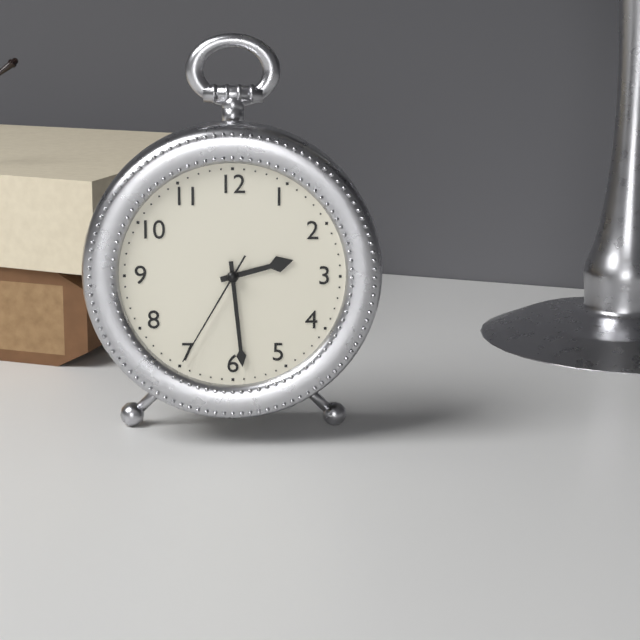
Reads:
{"hour": 2, "minute": 29, "second": 35}
